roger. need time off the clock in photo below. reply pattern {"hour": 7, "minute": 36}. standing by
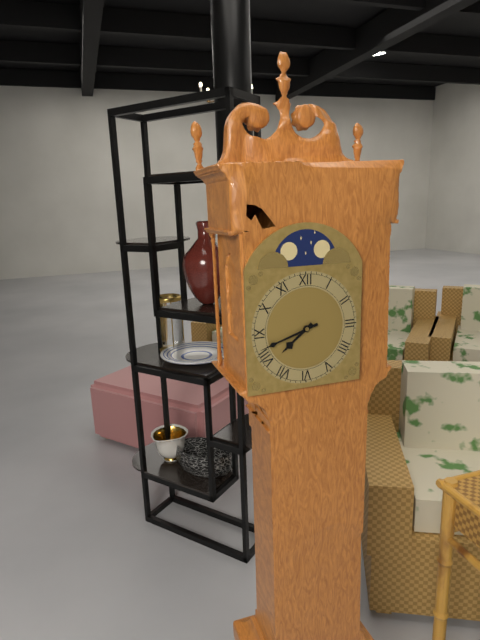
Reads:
{"hour": 7, "minute": 42}
